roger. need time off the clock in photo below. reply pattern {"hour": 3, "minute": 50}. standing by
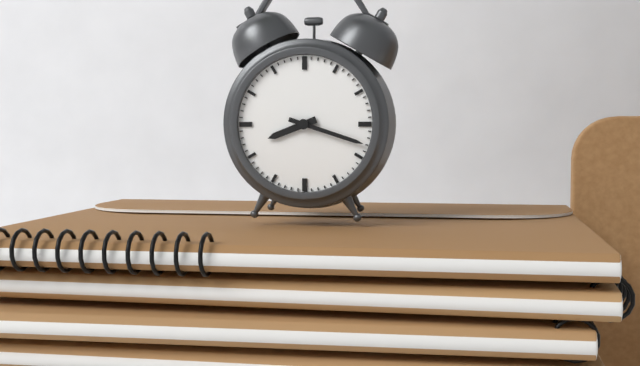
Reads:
{"hour": 8, "minute": 18}
